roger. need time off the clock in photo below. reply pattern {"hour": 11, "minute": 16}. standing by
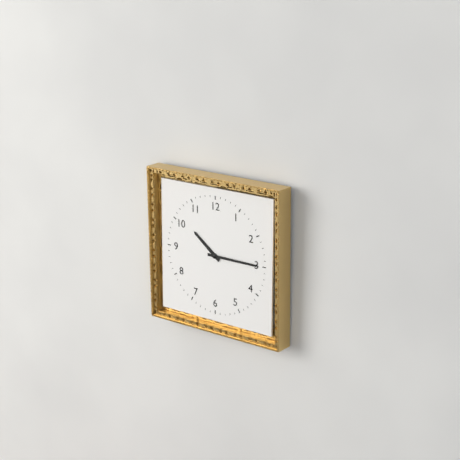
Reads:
{"hour": 10, "minute": 15}
